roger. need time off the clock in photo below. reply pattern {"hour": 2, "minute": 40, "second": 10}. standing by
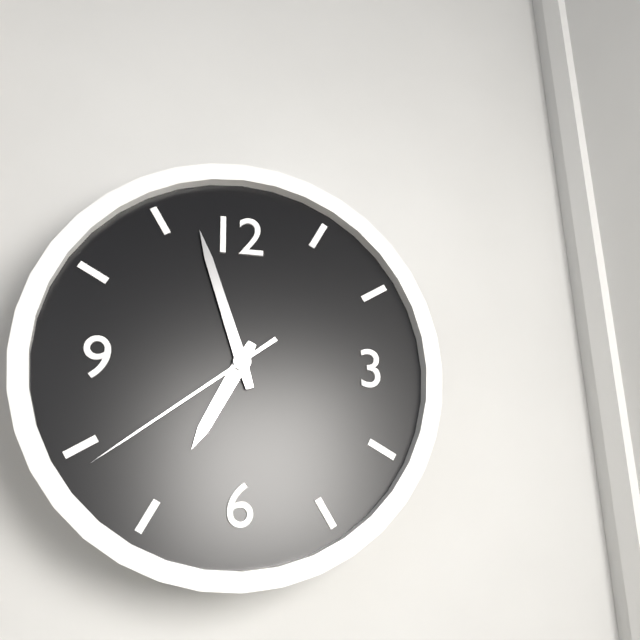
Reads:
{"hour": 6, "minute": 57, "second": 39}
